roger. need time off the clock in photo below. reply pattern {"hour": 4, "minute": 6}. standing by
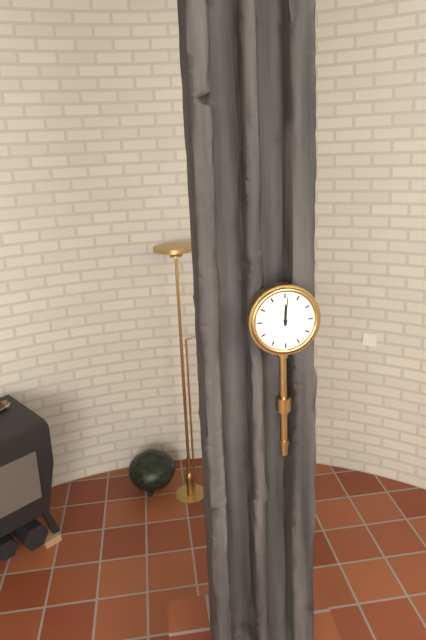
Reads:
{"hour": 12, "minute": 1}
